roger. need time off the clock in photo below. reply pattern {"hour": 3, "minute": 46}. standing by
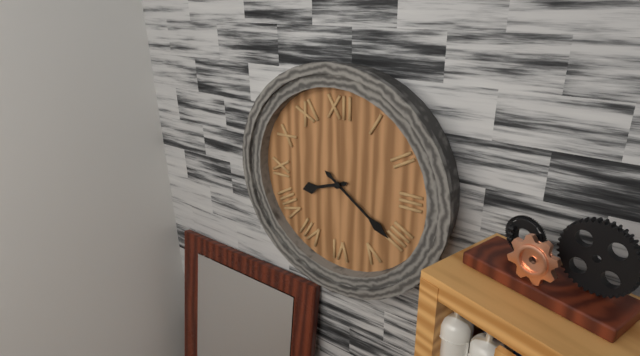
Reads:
{"hour": 8, "minute": 21}
